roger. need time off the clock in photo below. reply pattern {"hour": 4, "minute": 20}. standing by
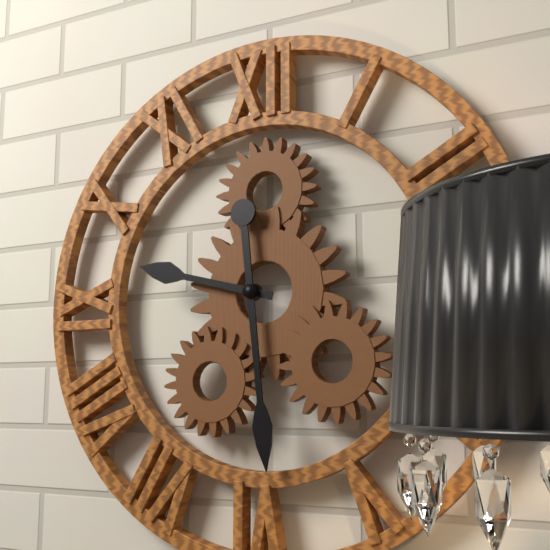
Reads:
{"hour": 9, "minute": 29}
